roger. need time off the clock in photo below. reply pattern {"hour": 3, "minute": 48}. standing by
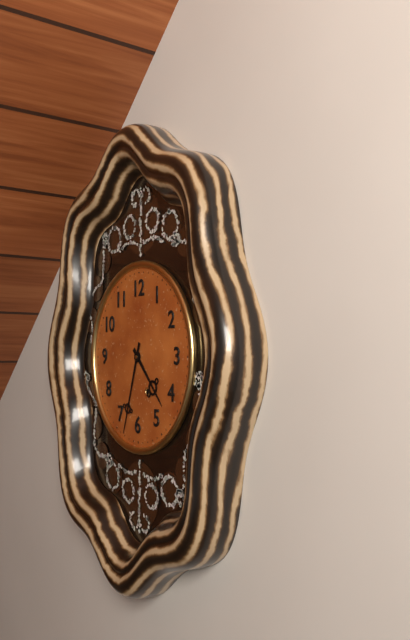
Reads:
{"hour": 4, "minute": 33}
